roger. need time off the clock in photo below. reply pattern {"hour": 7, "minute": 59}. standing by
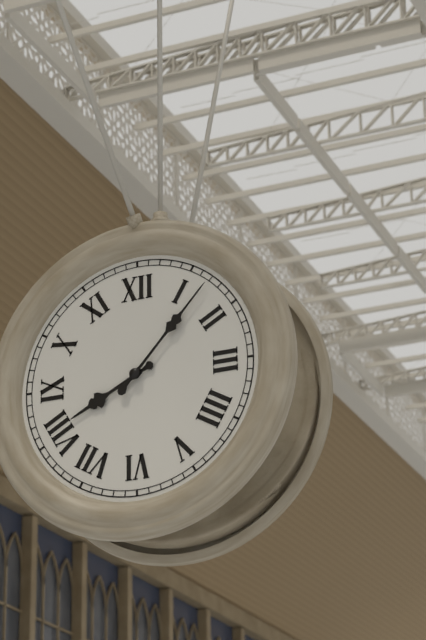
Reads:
{"hour": 8, "minute": 7}
